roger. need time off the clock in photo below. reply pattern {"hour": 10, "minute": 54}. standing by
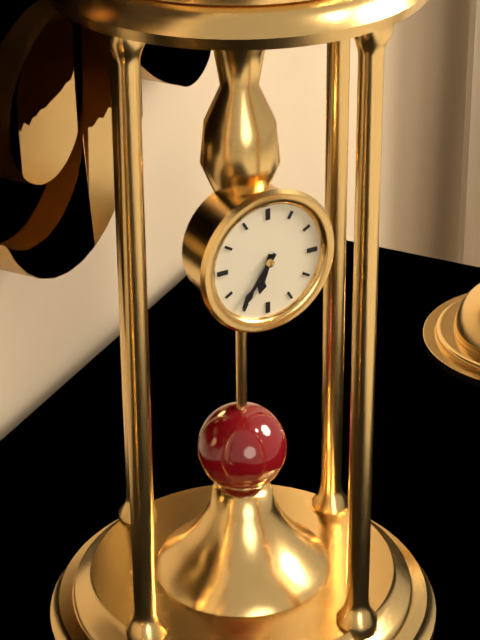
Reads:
{"hour": 6, "minute": 36}
